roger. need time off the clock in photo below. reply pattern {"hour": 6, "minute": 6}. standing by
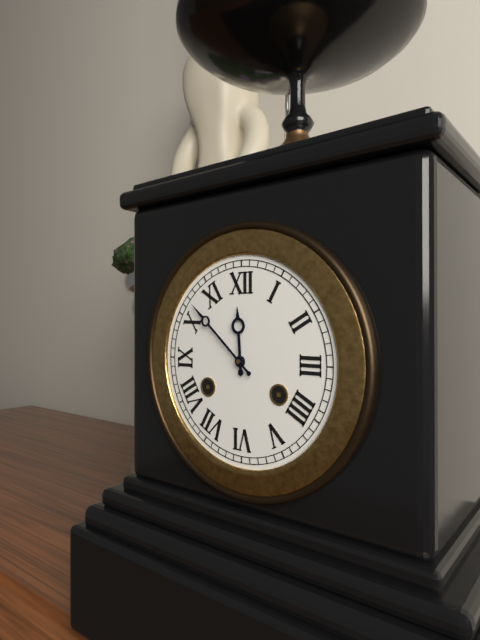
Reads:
{"hour": 11, "minute": 52}
